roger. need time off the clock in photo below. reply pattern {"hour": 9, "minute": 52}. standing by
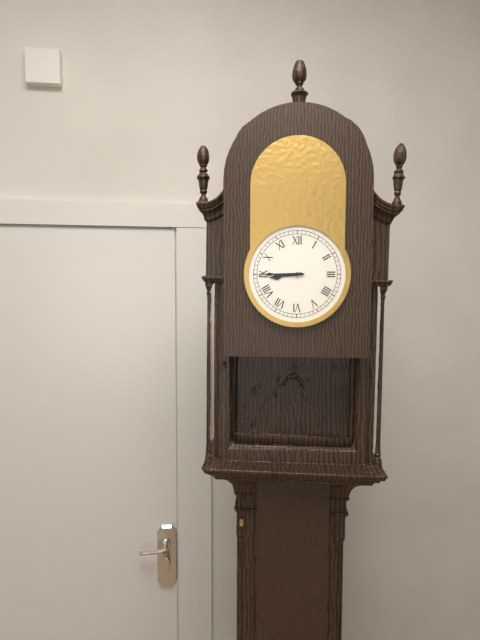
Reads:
{"hour": 8, "minute": 45}
